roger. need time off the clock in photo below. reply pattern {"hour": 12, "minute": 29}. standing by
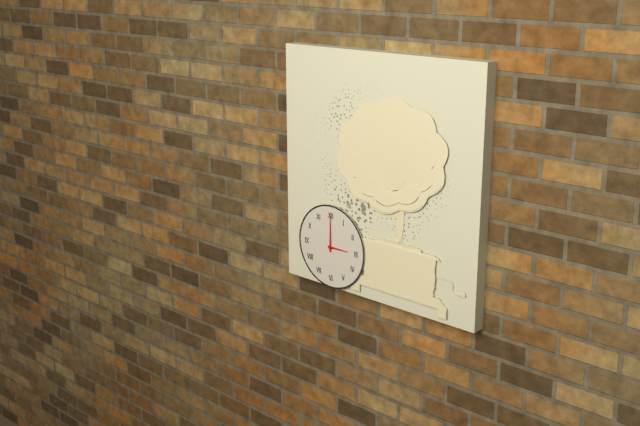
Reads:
{"hour": 3, "minute": 0}
